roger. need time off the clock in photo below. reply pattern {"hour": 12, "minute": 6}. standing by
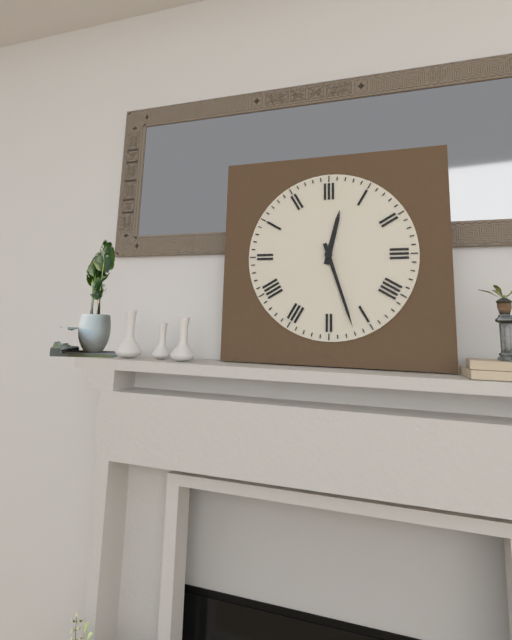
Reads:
{"hour": 12, "minute": 27}
